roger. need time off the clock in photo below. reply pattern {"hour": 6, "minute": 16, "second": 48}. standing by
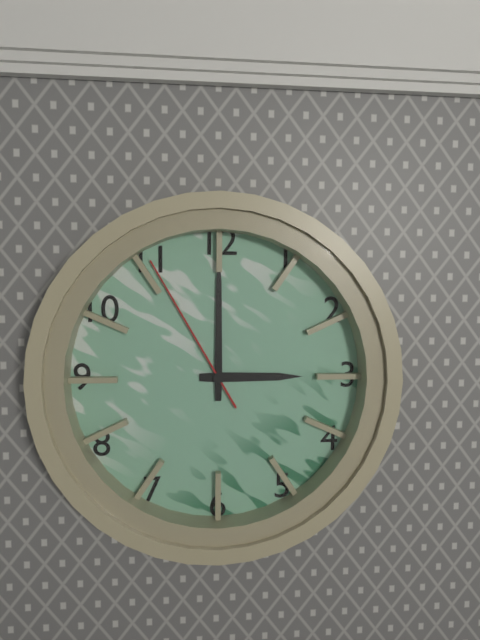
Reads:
{"hour": 3, "minute": 0, "second": 55}
